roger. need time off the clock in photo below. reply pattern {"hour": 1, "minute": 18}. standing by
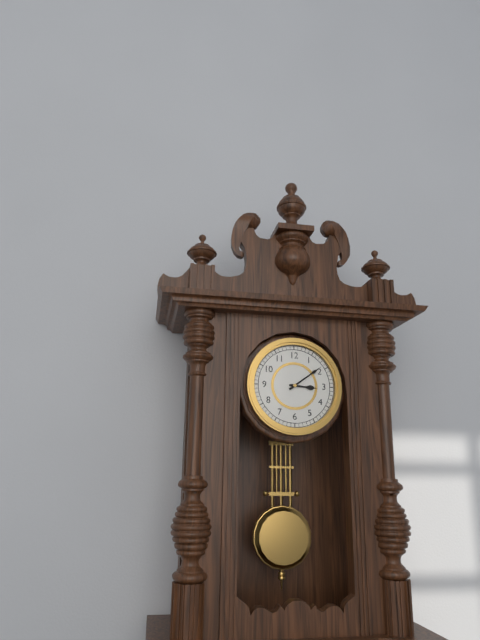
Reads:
{"hour": 3, "minute": 9}
